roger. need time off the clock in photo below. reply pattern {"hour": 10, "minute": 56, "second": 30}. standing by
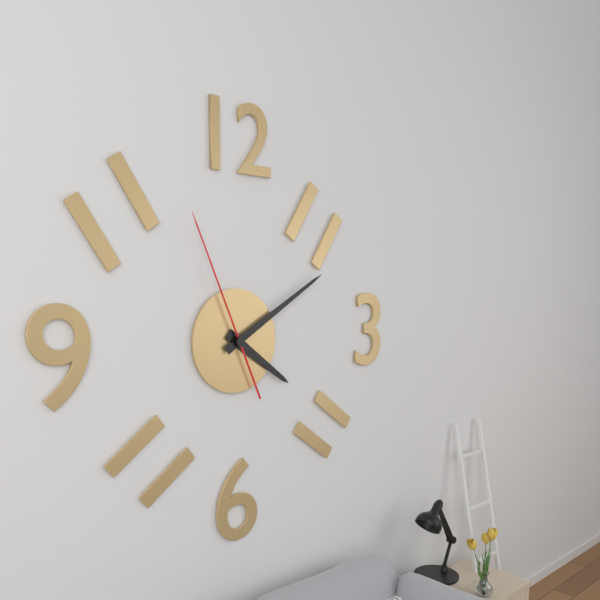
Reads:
{"hour": 4, "minute": 10, "second": 56}
